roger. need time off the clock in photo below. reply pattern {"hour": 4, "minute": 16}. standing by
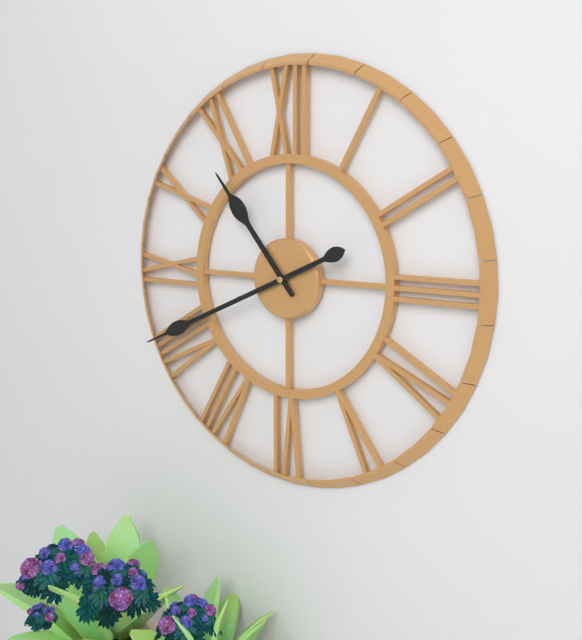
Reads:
{"hour": 10, "minute": 41}
